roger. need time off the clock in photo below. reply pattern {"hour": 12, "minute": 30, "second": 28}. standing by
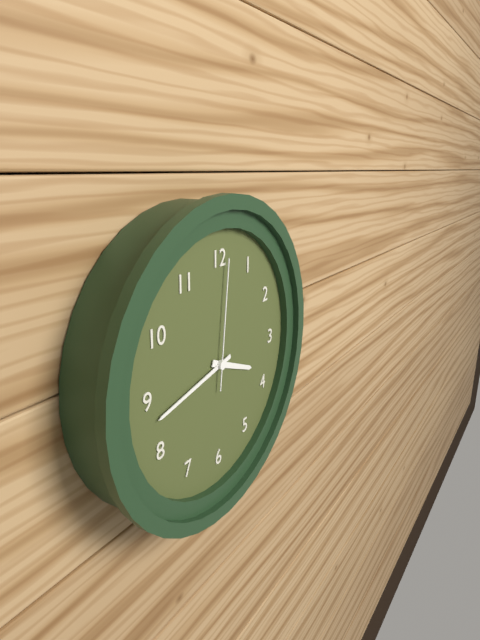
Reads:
{"hour": 3, "minute": 43, "second": 1}
